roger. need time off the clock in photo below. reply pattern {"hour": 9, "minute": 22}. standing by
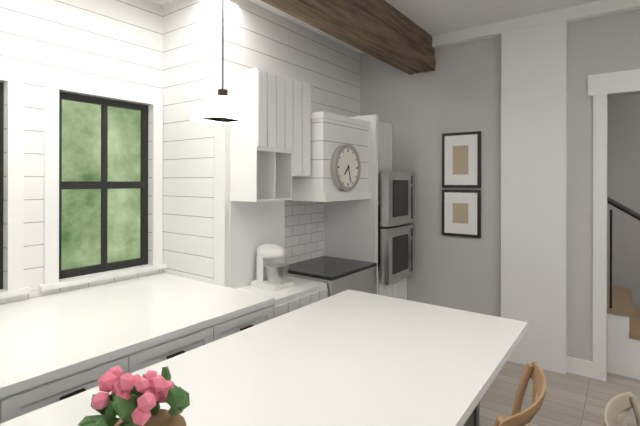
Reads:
{"hour": 7, "minute": 27}
